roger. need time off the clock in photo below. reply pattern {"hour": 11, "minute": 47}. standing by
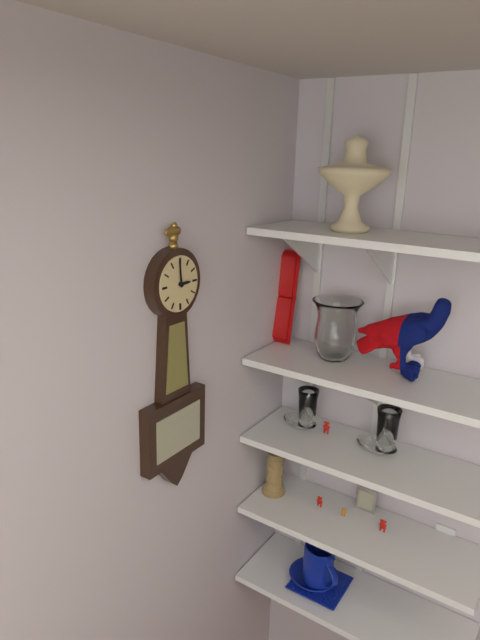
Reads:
{"hour": 2, "minute": 59}
